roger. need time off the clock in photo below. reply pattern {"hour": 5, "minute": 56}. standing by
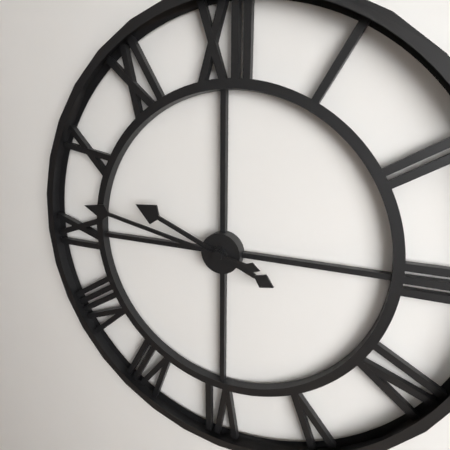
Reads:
{"hour": 9, "minute": 47}
